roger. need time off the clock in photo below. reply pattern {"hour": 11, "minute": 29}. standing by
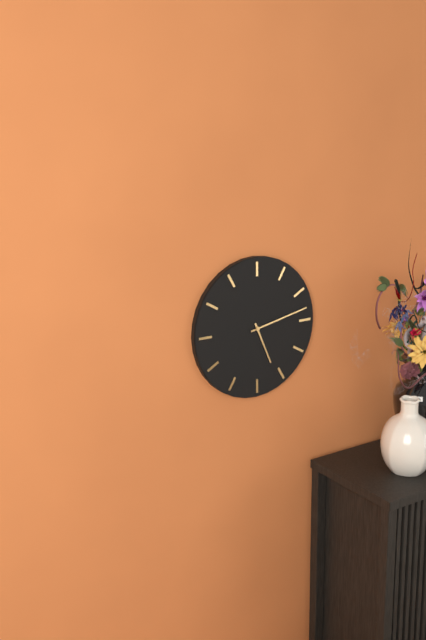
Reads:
{"hour": 5, "minute": 13}
